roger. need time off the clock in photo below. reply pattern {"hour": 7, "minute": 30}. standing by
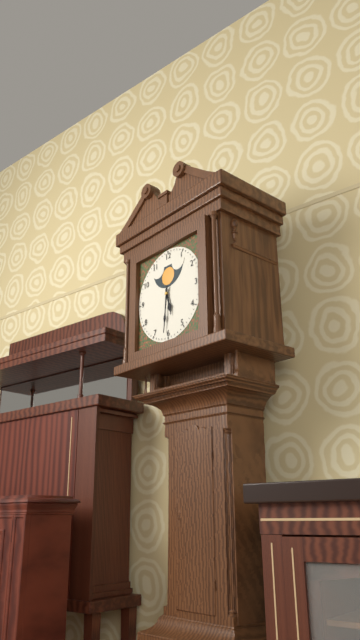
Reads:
{"hour": 5, "minute": 31}
